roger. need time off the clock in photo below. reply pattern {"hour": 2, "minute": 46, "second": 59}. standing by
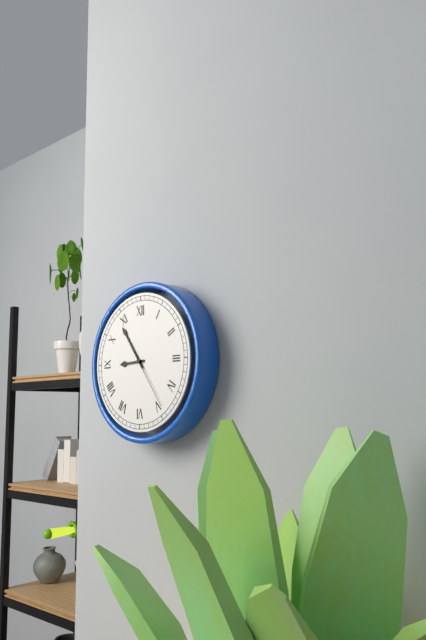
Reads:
{"hour": 8, "minute": 54, "second": 24}
